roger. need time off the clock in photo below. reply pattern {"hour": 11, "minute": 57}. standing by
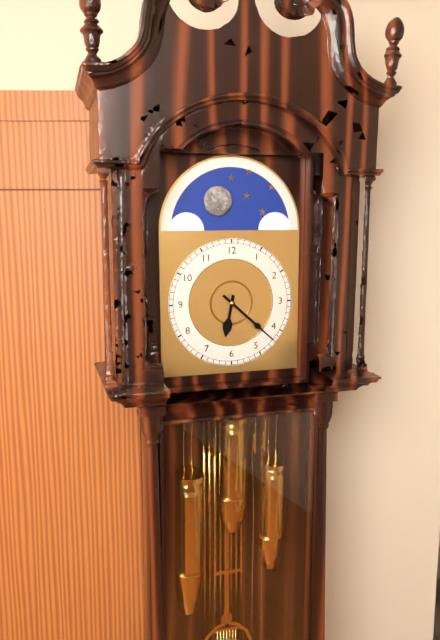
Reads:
{"hour": 6, "minute": 22}
